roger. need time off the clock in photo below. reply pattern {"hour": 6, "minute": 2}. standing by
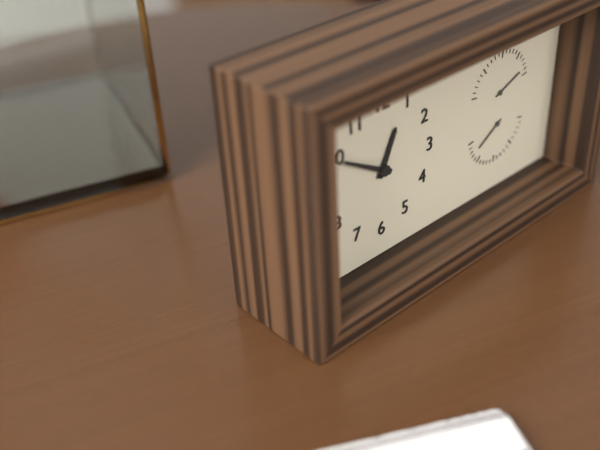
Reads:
{"hour": 12, "minute": 50}
